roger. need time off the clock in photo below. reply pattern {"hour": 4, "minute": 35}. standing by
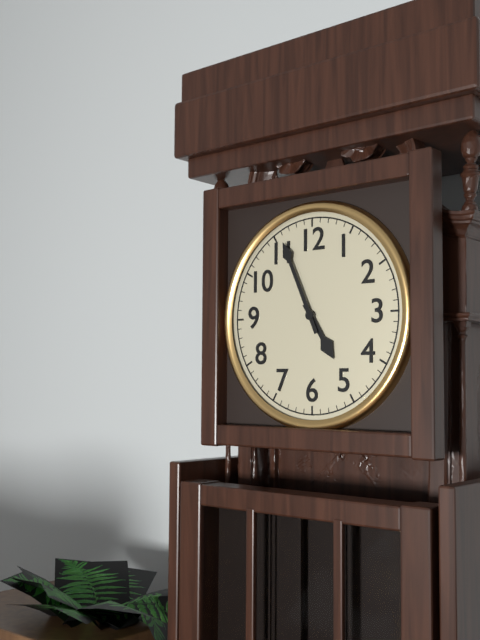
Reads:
{"hour": 4, "minute": 56}
